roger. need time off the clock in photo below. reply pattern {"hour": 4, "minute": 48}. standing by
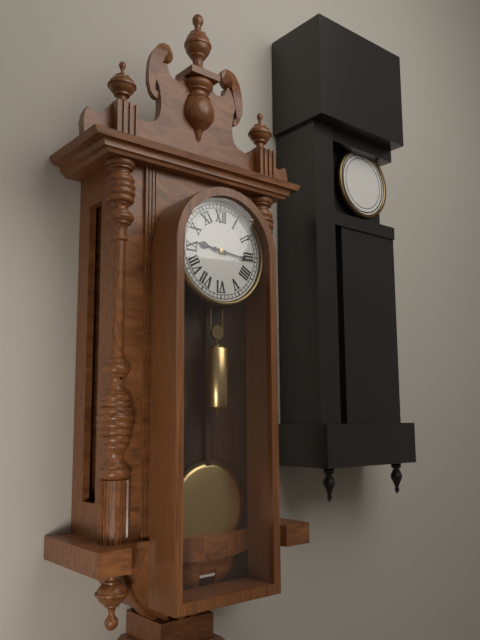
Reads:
{"hour": 9, "minute": 16}
